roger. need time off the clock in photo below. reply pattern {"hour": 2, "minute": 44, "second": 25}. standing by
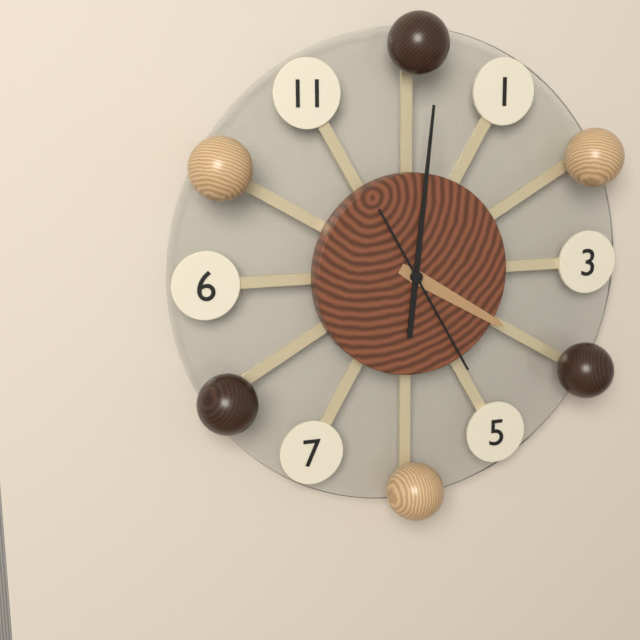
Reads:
{"hour": 4, "minute": 1, "second": 25}
